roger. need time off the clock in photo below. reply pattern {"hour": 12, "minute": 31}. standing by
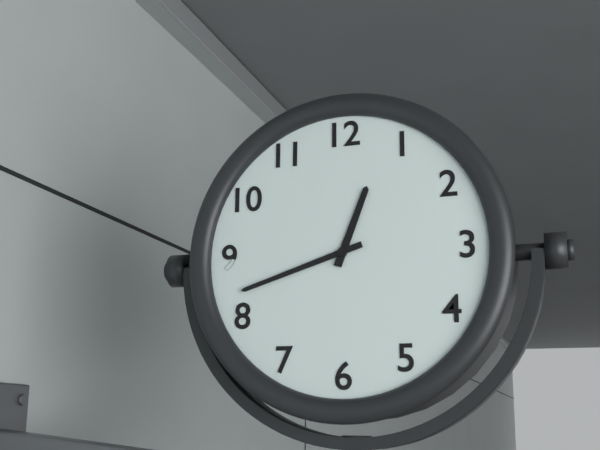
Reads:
{"hour": 12, "minute": 42}
